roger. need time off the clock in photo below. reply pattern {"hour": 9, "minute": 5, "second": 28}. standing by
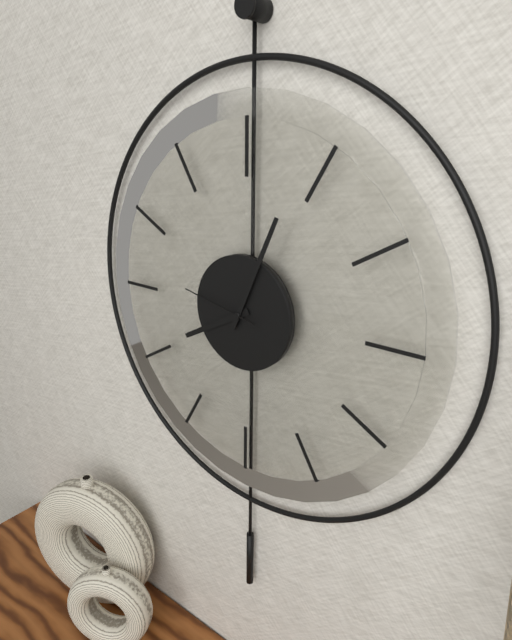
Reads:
{"hour": 8, "minute": 4, "second": 47}
